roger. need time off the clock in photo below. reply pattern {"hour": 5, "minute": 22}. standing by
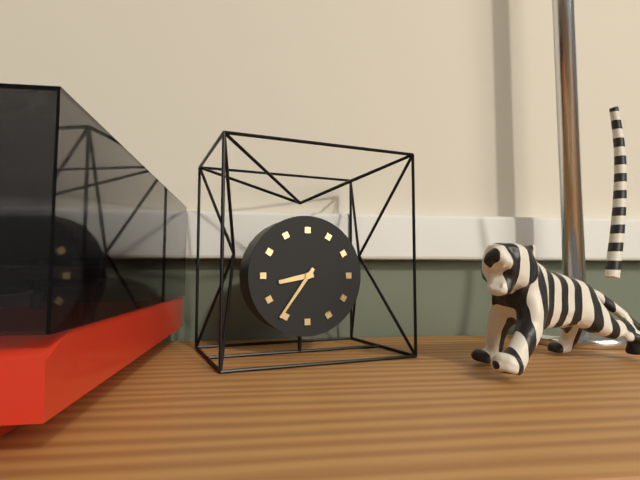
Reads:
{"hour": 8, "minute": 36}
